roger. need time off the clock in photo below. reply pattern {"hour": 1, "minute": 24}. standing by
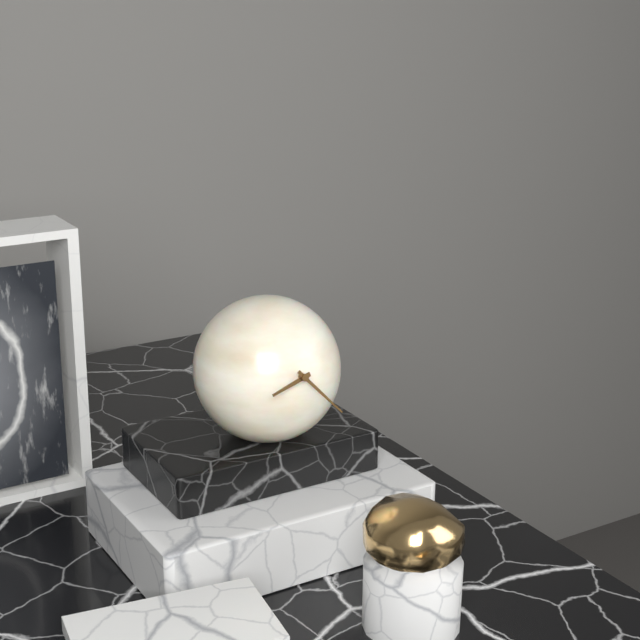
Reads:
{"hour": 8, "minute": 23}
